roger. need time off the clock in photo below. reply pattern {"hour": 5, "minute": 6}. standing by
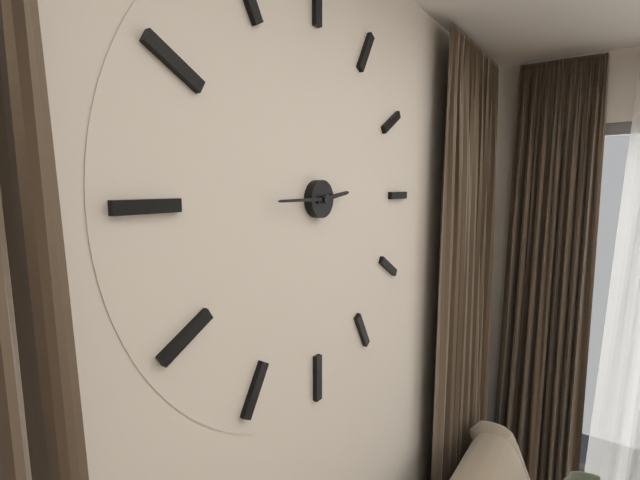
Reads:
{"hour": 2, "minute": 45}
